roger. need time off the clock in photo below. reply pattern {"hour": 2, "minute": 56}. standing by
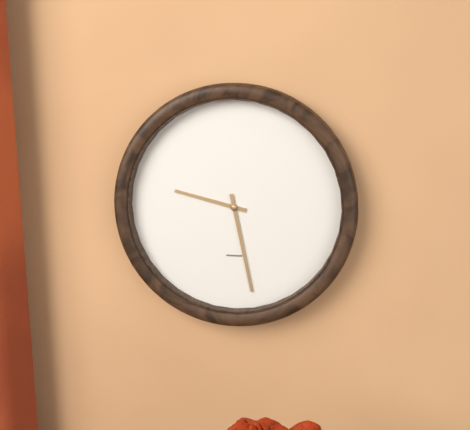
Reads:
{"hour": 9, "minute": 28}
